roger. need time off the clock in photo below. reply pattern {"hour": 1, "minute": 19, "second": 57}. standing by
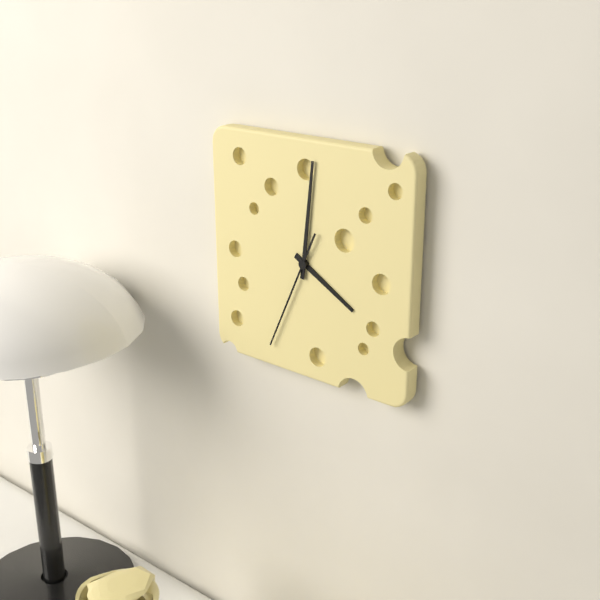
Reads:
{"hour": 4, "minute": 1, "second": 34}
